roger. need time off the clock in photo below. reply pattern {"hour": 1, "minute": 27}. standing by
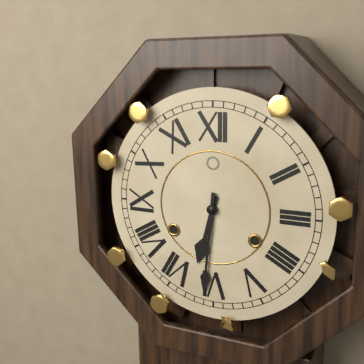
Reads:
{"hour": 6, "minute": 31}
